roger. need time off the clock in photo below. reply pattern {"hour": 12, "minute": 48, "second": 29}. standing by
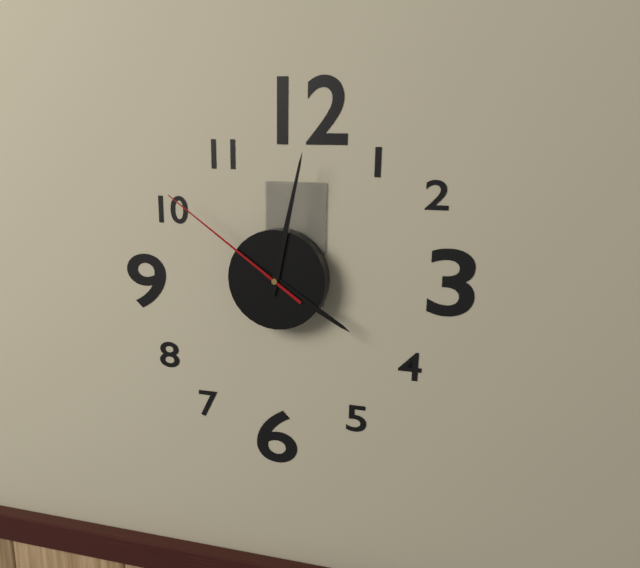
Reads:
{"hour": 4, "minute": 2, "second": 51}
